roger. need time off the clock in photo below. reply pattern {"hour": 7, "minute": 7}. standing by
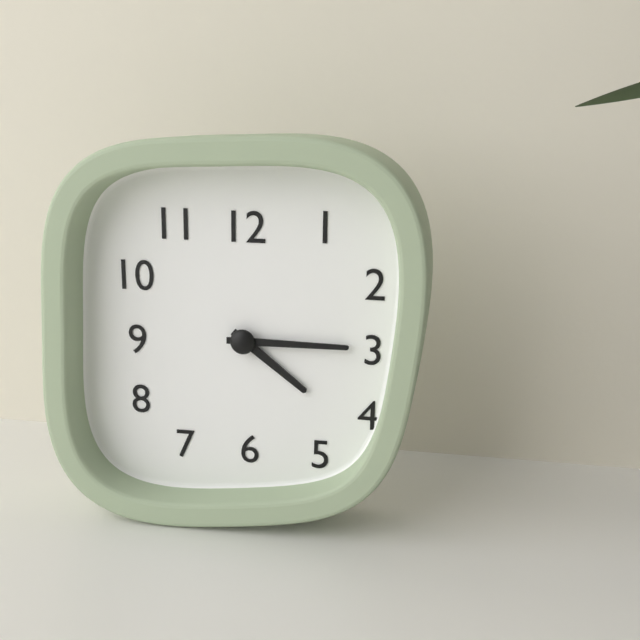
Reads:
{"hour": 4, "minute": 15}
